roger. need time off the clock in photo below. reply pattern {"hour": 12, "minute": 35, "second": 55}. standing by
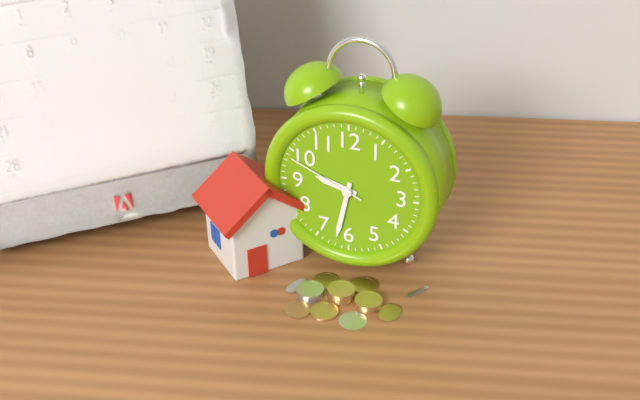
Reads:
{"hour": 9, "minute": 32, "second": 49}
